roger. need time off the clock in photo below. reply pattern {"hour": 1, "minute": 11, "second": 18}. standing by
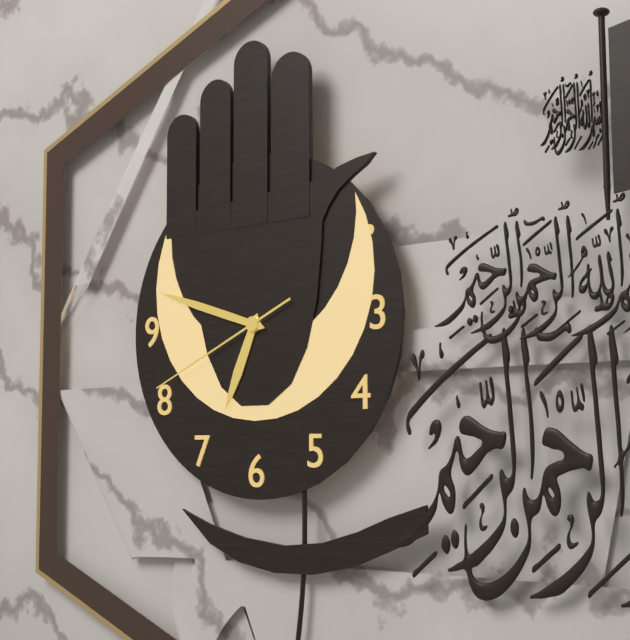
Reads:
{"hour": 6, "minute": 48, "second": 41}
